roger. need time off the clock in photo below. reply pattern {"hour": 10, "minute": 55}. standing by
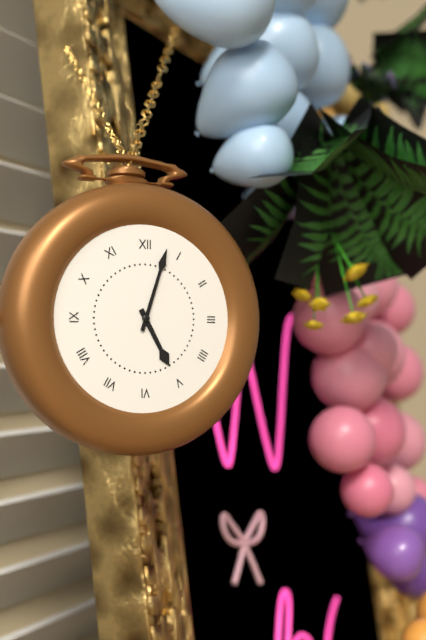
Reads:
{"hour": 5, "minute": 3}
